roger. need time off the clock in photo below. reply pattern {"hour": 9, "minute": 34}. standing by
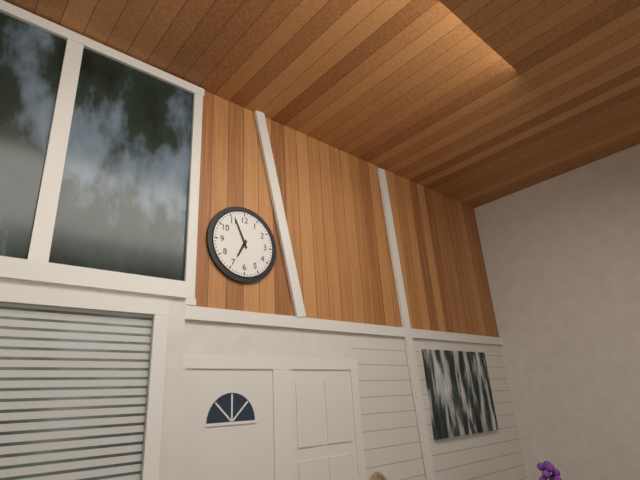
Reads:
{"hour": 6, "minute": 56}
